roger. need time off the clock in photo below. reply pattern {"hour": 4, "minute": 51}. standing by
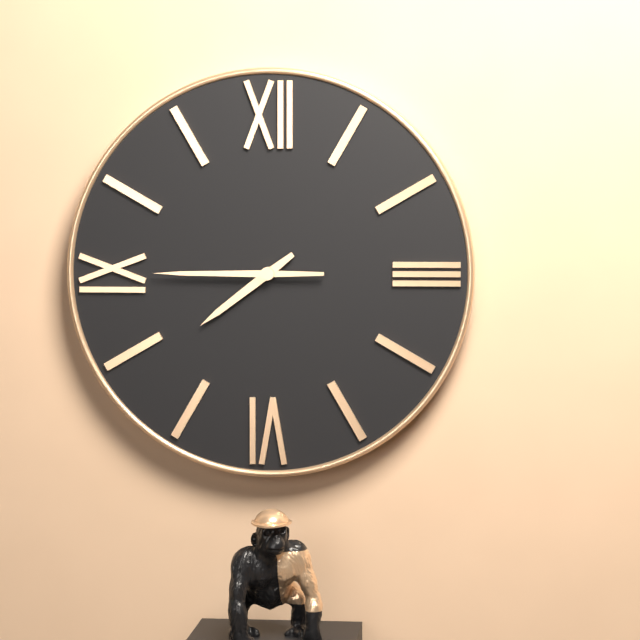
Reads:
{"hour": 7, "minute": 45}
